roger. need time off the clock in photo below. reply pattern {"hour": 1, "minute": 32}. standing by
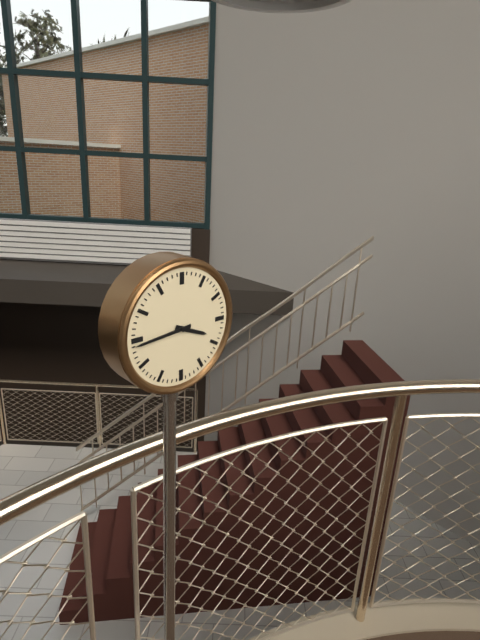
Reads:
{"hour": 3, "minute": 44}
